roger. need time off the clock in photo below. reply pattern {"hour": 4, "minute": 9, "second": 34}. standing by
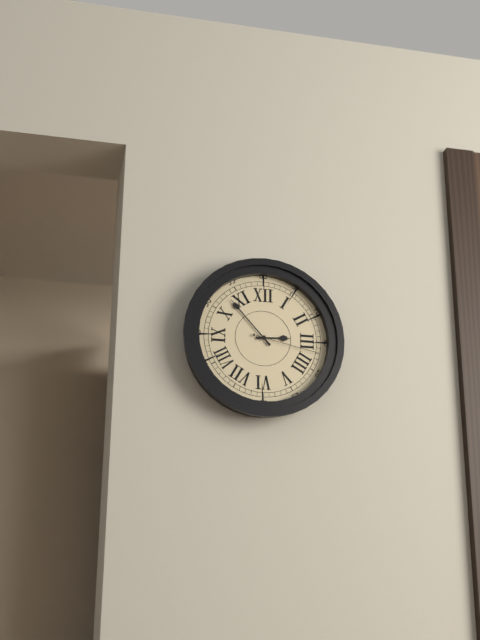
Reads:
{"hour": 2, "minute": 53, "second": 17}
